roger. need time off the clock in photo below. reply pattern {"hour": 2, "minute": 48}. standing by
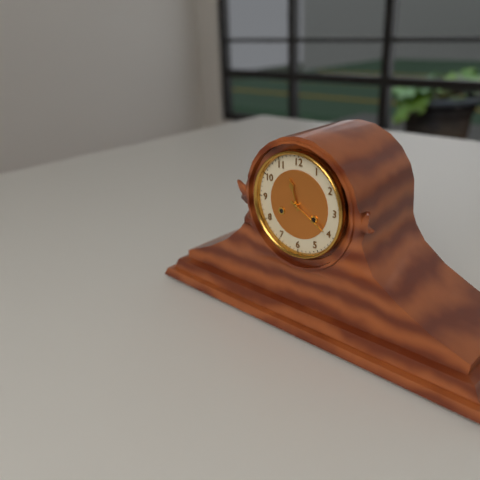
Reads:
{"hour": 11, "minute": 20}
